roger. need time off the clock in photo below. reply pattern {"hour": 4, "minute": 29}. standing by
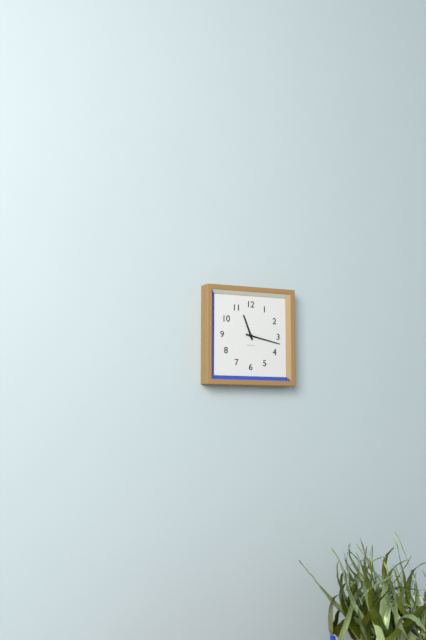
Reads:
{"hour": 11, "minute": 17}
